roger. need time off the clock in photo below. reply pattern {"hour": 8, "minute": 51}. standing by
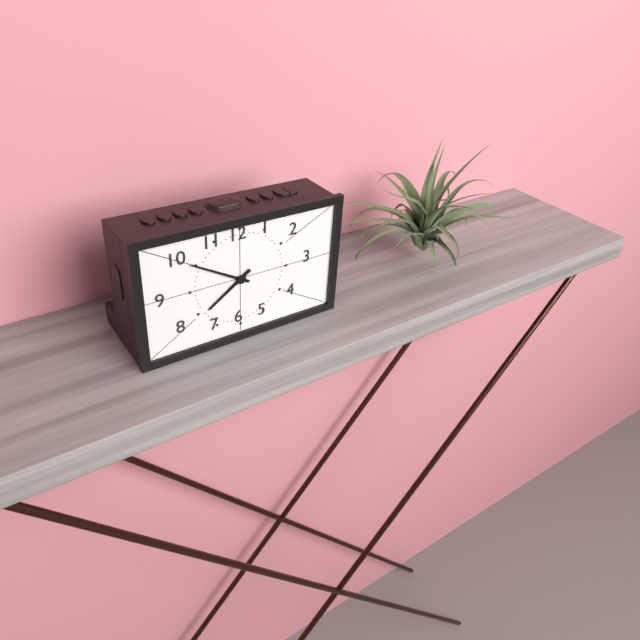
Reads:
{"hour": 7, "minute": 50}
